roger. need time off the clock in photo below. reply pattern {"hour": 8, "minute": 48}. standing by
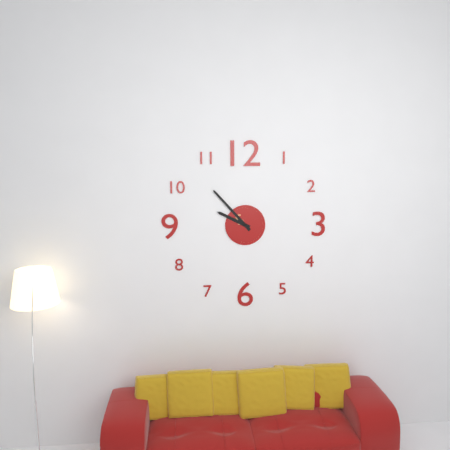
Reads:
{"hour": 9, "minute": 53}
